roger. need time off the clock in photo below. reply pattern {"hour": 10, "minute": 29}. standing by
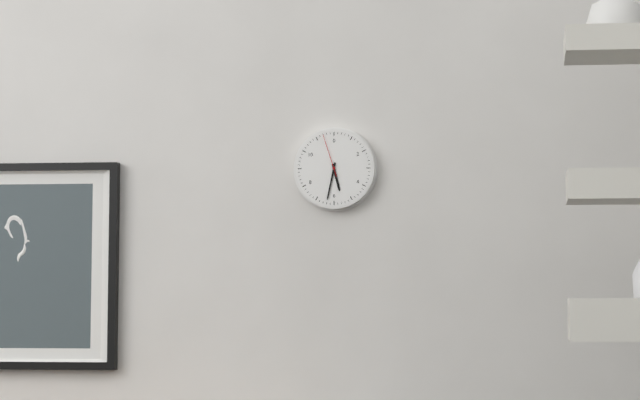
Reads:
{"hour": 5, "minute": 32}
